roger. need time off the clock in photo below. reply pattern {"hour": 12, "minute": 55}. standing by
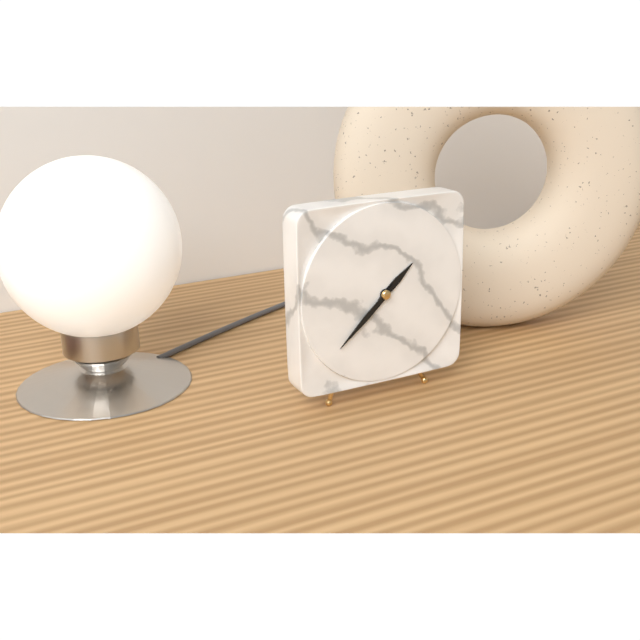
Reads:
{"hour": 1, "minute": 38}
